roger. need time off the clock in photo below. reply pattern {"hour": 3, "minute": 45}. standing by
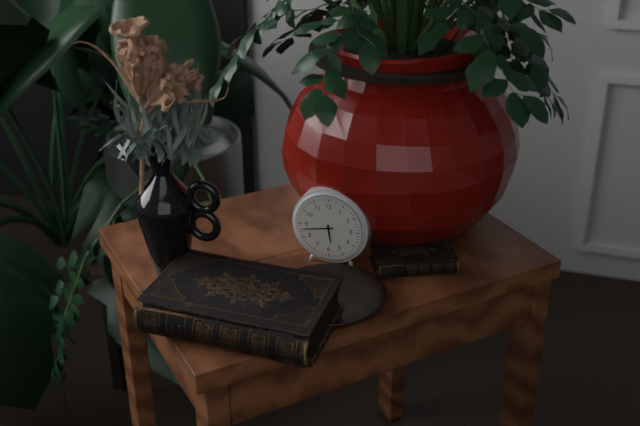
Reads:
{"hour": 5, "minute": 43}
